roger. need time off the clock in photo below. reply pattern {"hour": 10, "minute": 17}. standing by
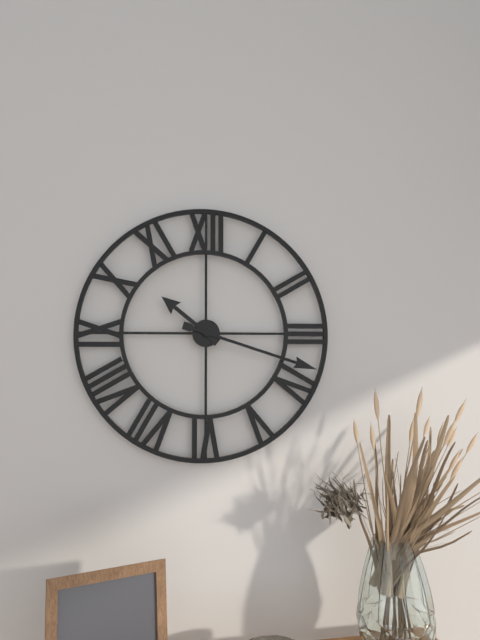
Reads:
{"hour": 10, "minute": 18}
